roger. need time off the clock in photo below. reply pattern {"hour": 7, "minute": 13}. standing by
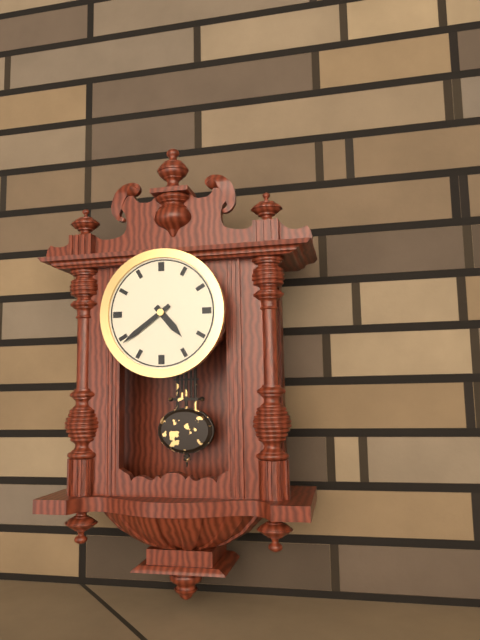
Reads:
{"hour": 4, "minute": 39}
